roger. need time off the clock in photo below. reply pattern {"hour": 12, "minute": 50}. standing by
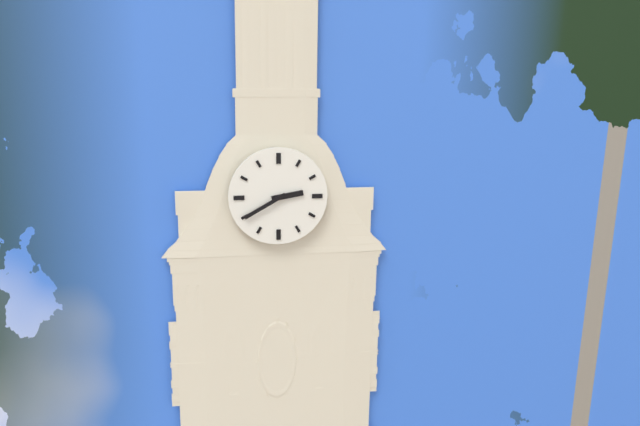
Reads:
{"hour": 2, "minute": 40}
